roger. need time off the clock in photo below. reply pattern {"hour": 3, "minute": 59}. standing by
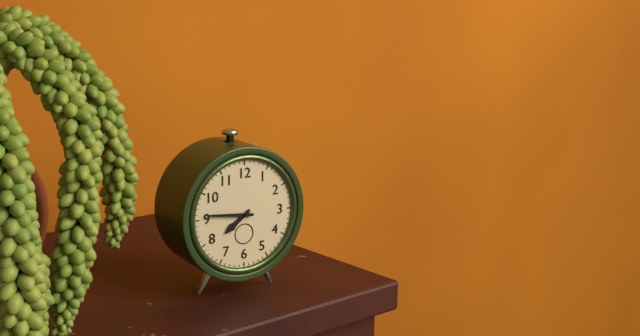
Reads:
{"hour": 7, "minute": 46}
